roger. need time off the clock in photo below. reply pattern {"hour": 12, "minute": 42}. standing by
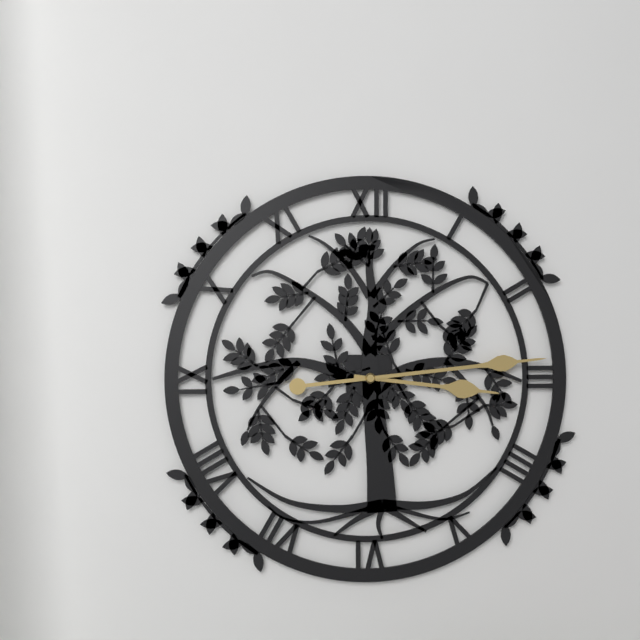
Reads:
{"hour": 3, "minute": 14}
